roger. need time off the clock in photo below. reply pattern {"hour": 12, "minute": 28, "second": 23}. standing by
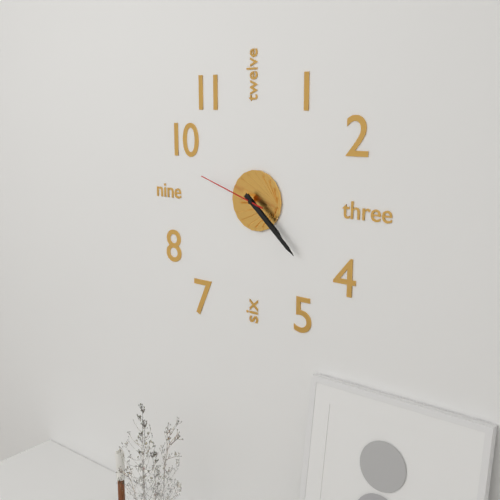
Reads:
{"hour": 4, "minute": 22, "second": 48}
